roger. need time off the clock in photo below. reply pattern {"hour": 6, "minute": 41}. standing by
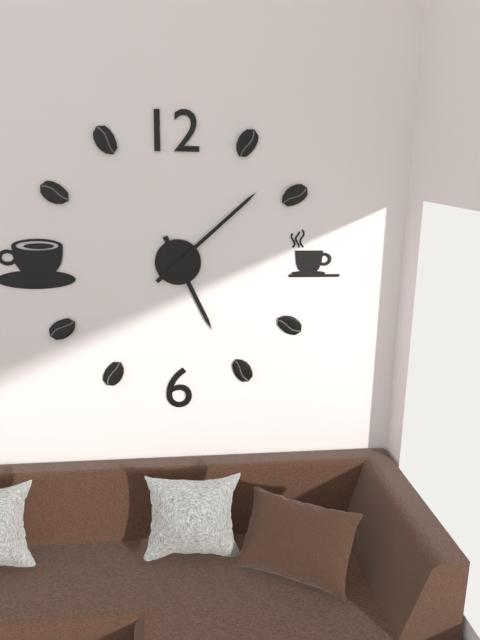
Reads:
{"hour": 5, "minute": 8}
